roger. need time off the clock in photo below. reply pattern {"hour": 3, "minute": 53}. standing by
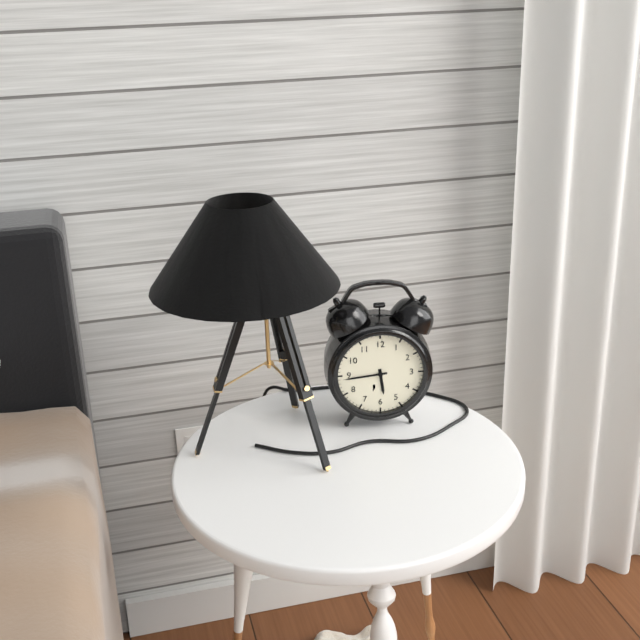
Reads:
{"hour": 5, "minute": 44}
